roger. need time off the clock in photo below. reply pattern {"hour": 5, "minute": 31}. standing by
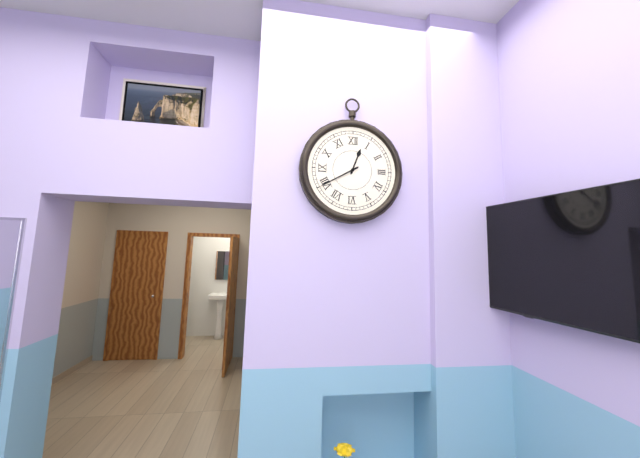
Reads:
{"hour": 12, "minute": 40}
